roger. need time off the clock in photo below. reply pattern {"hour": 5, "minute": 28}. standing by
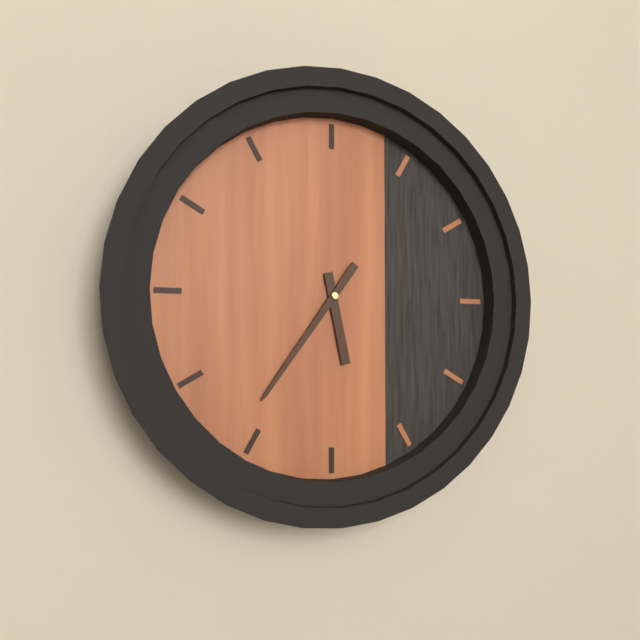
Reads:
{"hour": 5, "minute": 36}
